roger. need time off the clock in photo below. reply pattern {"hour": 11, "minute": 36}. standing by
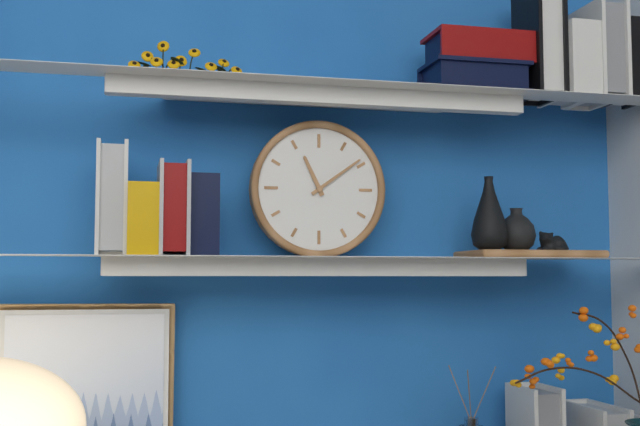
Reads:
{"hour": 11, "minute": 9}
